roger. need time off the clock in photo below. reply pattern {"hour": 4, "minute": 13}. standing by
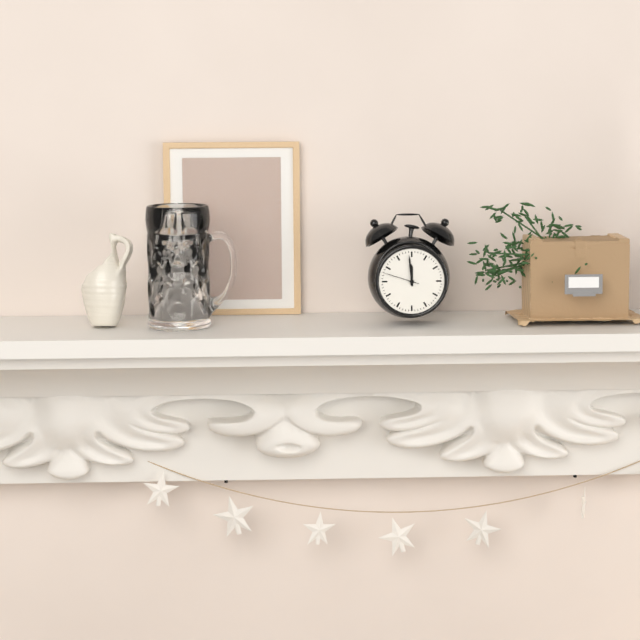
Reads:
{"hour": 11, "minute": 59}
